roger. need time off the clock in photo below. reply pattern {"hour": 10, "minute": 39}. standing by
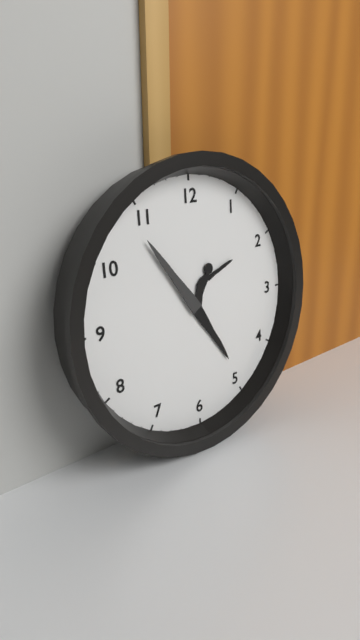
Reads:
{"hour": 4, "minute": 54}
